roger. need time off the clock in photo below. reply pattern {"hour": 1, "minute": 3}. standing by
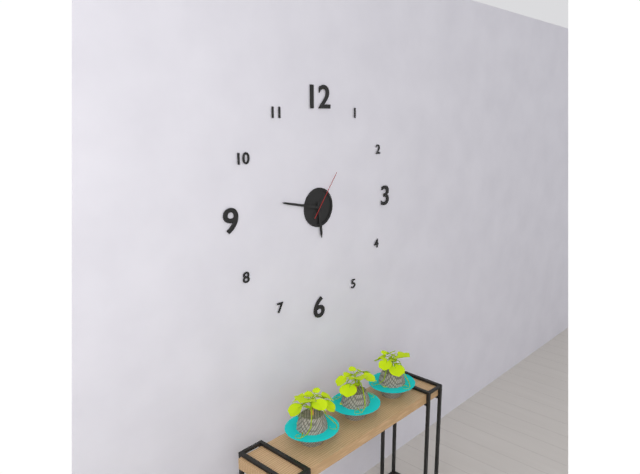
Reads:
{"hour": 5, "minute": 47}
